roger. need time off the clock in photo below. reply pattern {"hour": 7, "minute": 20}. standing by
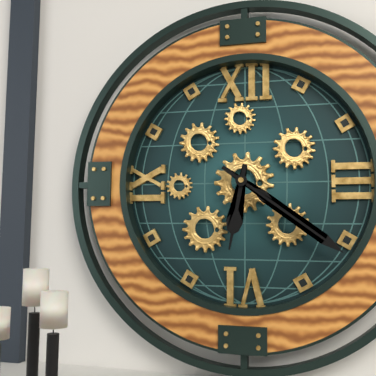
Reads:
{"hour": 6, "minute": 21}
